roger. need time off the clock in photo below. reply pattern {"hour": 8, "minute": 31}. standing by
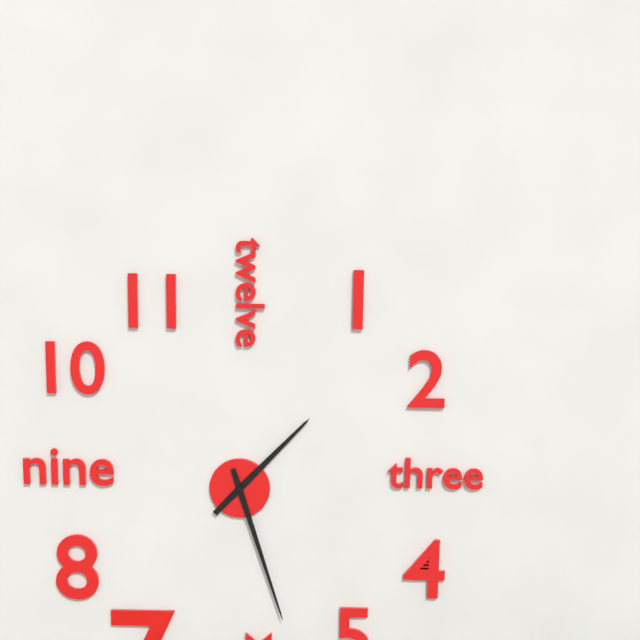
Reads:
{"hour": 1, "minute": 27}
